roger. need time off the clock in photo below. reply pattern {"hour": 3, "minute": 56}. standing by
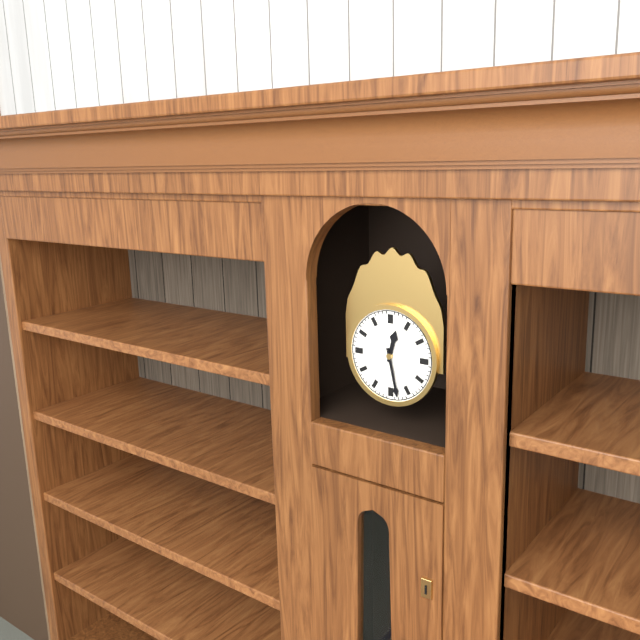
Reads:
{"hour": 12, "minute": 28}
